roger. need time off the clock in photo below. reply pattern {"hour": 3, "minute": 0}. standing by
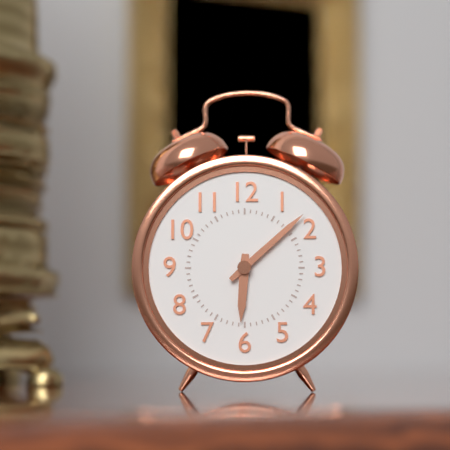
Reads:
{"hour": 6, "minute": 8}
